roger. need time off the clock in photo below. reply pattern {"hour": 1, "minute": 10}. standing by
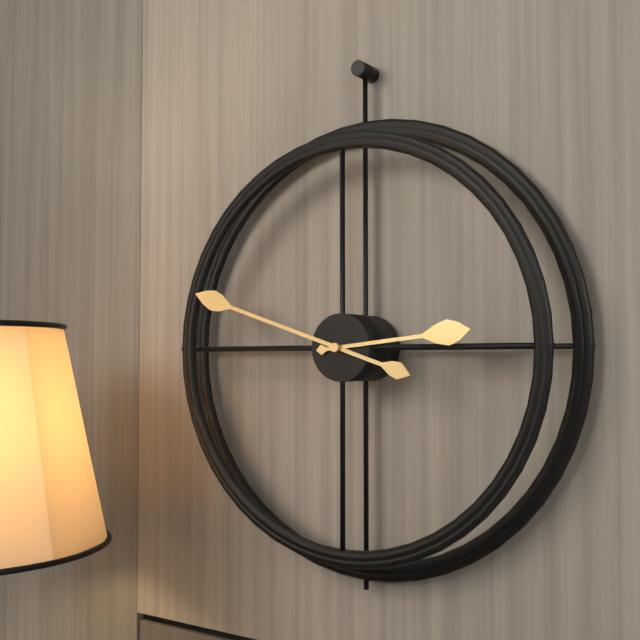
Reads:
{"hour": 2, "minute": 48}
